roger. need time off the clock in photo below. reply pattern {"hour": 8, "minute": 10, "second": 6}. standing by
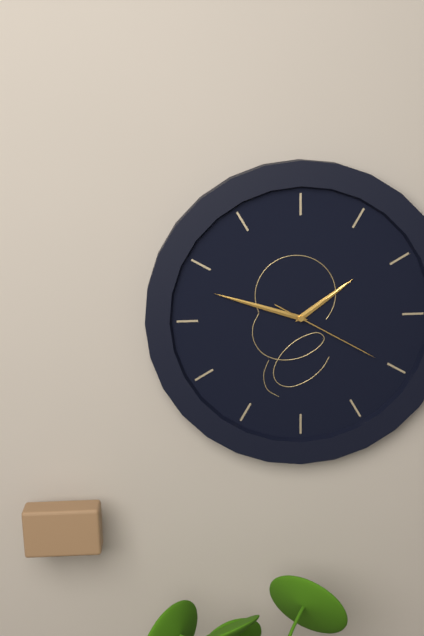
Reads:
{"hour": 1, "minute": 48, "second": 20}
